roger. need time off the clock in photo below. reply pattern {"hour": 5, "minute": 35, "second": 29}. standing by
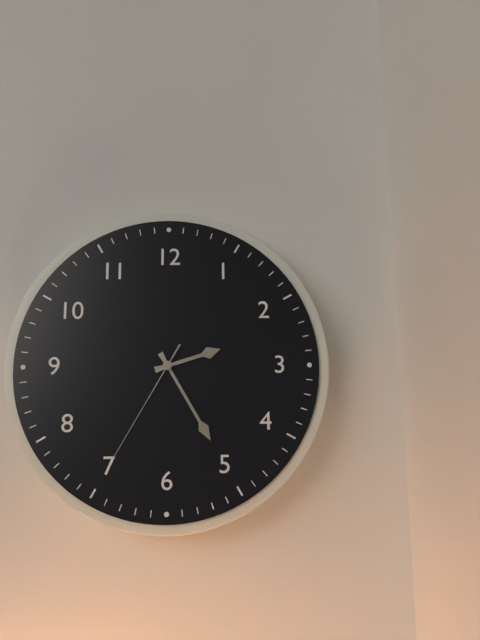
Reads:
{"hour": 2, "minute": 25, "second": 35}
